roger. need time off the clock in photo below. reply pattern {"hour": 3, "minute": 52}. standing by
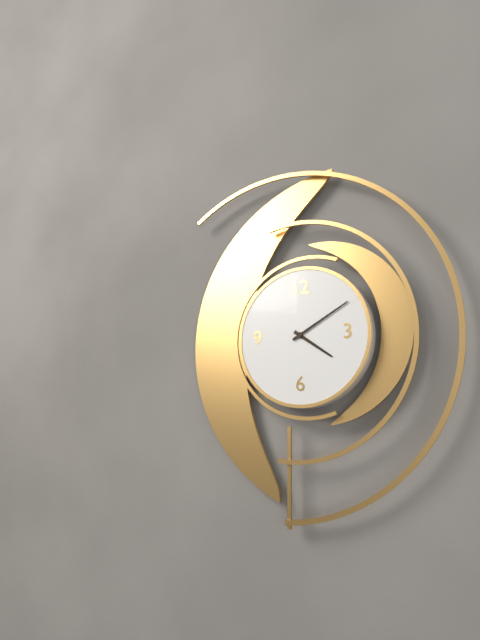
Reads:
{"hour": 4, "minute": 10}
